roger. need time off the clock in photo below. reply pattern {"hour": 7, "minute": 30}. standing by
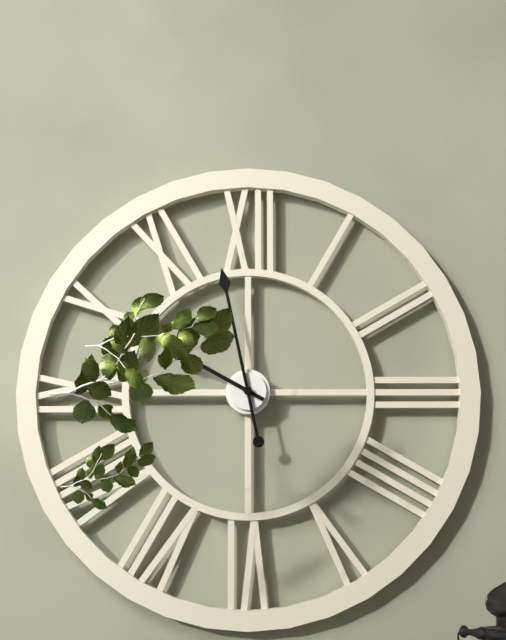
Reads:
{"hour": 9, "minute": 58}
